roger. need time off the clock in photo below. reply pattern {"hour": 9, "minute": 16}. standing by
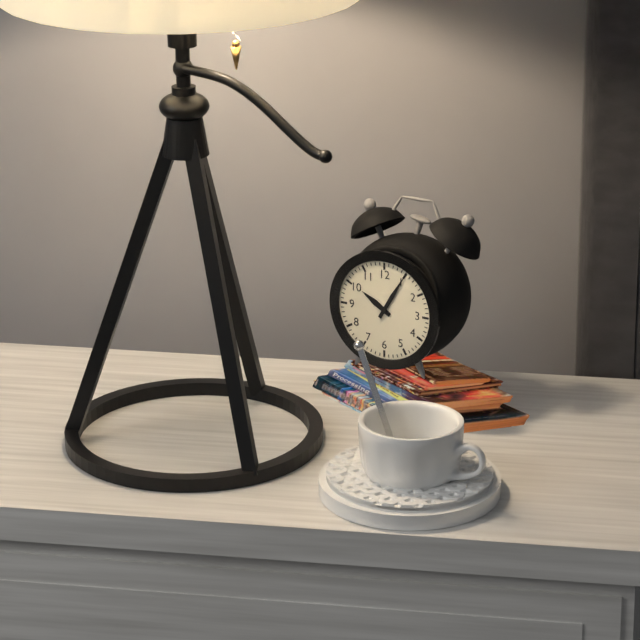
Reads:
{"hour": 10, "minute": 5}
